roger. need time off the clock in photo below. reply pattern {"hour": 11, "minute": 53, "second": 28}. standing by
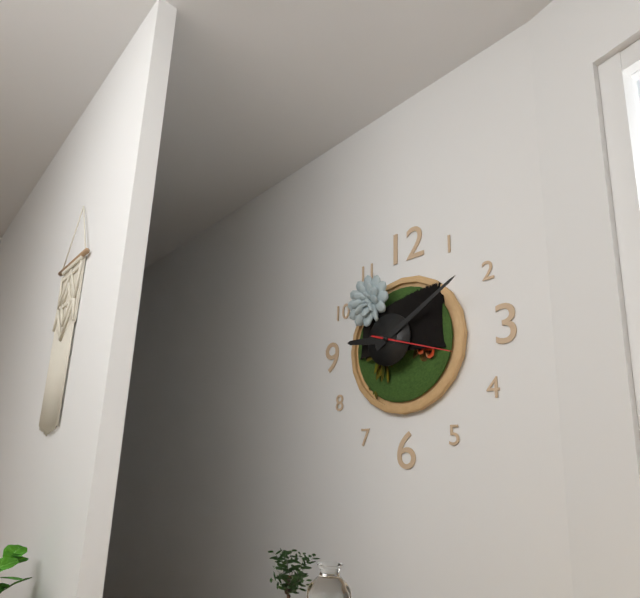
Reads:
{"hour": 9, "minute": 10, "second": 18}
